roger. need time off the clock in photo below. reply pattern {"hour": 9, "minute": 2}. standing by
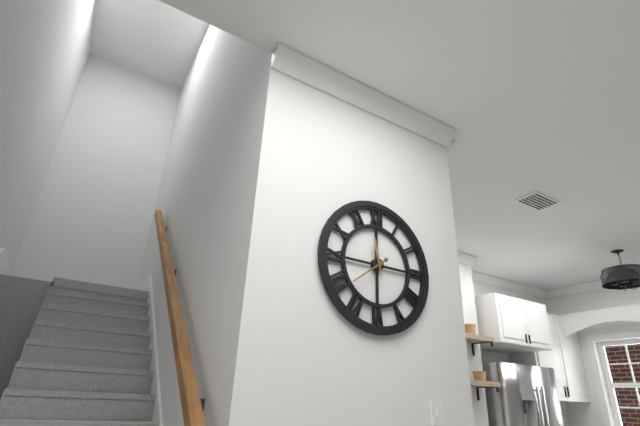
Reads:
{"hour": 11, "minute": 39}
